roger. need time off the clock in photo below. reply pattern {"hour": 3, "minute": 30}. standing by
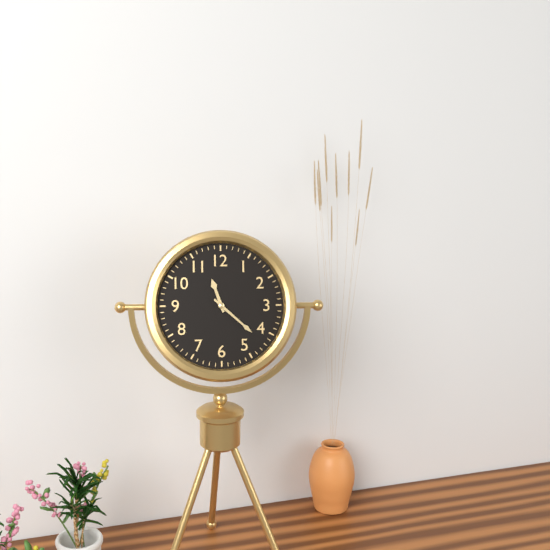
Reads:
{"hour": 11, "minute": 22}
